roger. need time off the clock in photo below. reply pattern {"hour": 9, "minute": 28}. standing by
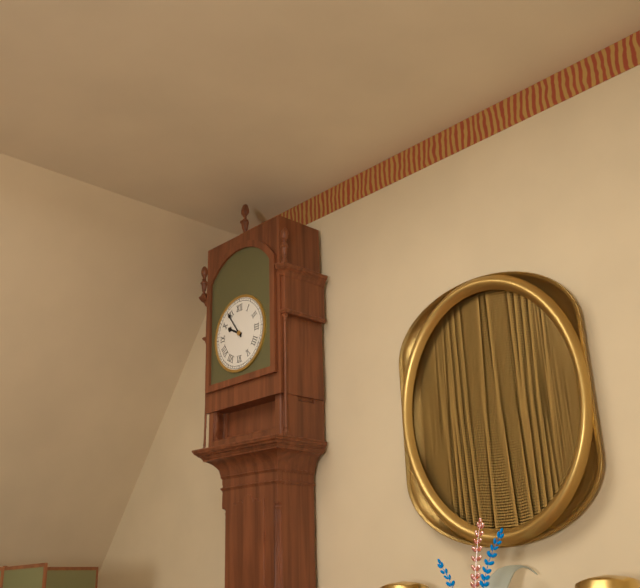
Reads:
{"hour": 9, "minute": 54}
